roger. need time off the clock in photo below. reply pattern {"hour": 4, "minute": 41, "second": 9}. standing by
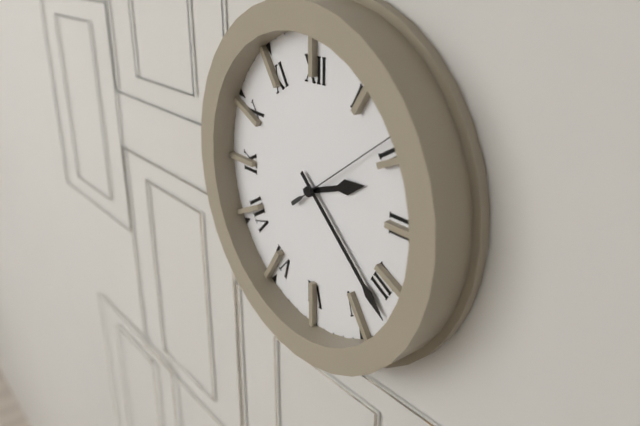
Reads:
{"hour": 2, "minute": 22, "second": 9}
